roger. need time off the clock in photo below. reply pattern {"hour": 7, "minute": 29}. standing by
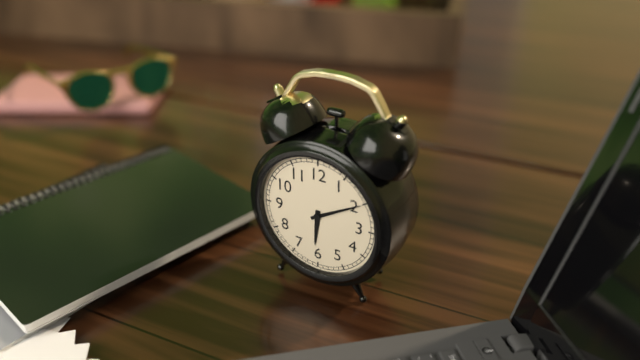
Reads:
{"hour": 6, "minute": 10}
